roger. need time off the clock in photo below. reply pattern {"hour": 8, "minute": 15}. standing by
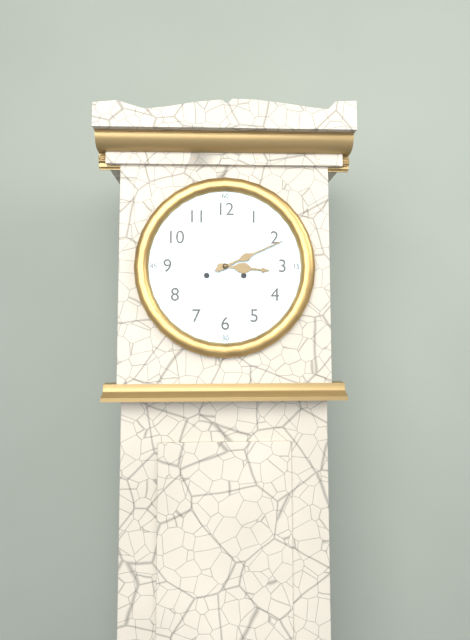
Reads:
{"hour": 3, "minute": 11}
